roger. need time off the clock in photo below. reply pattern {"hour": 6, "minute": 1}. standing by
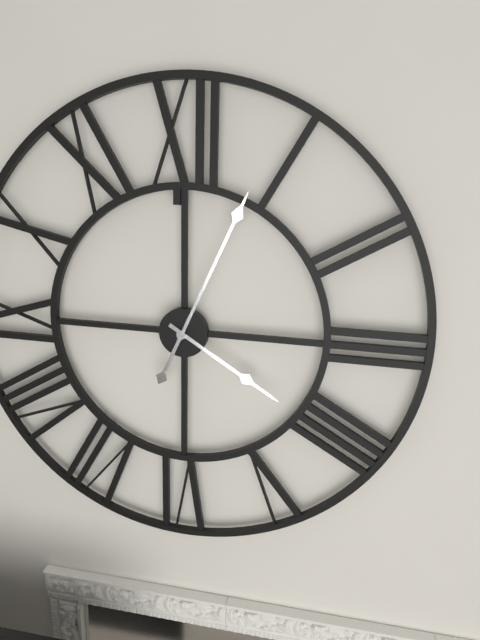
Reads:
{"hour": 4, "minute": 4}
